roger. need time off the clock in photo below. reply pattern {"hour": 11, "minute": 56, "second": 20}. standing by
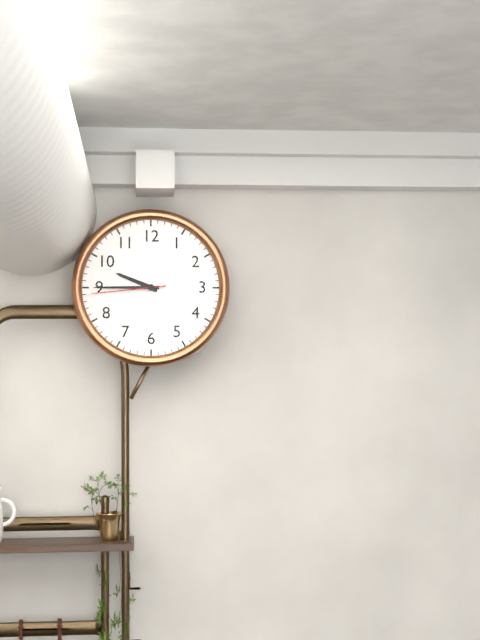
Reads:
{"hour": 9, "minute": 45, "second": 44}
